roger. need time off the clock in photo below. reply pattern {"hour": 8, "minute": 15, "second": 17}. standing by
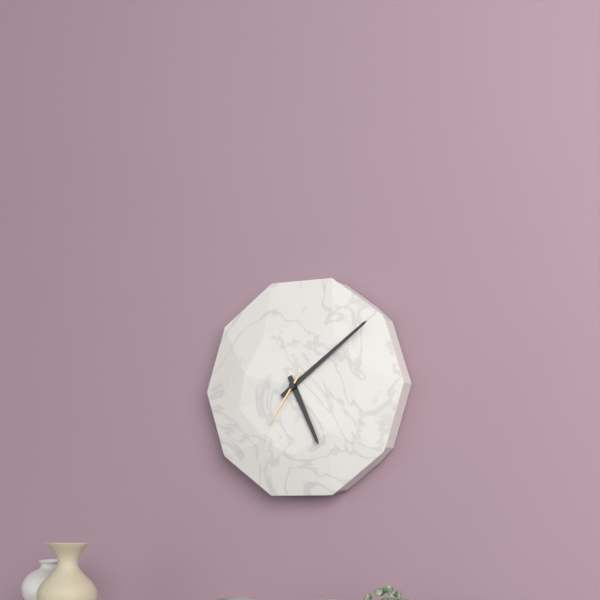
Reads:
{"hour": 5, "minute": 9, "second": 36}
